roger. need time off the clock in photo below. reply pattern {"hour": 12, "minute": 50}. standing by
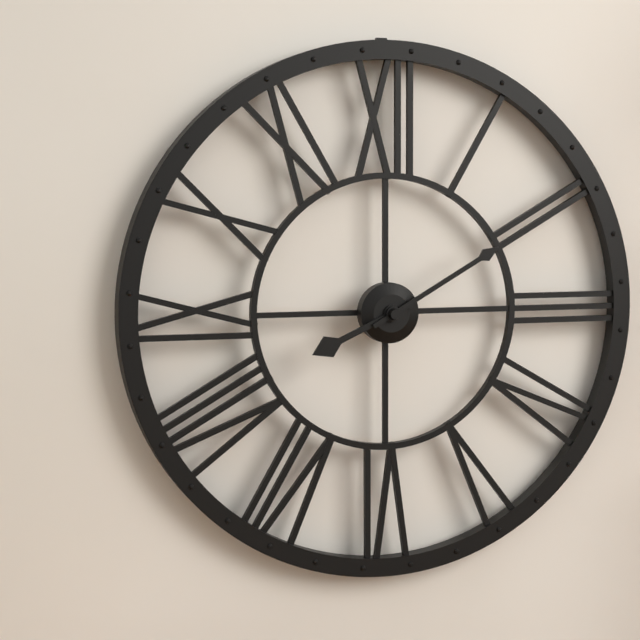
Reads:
{"hour": 8, "minute": 10}
